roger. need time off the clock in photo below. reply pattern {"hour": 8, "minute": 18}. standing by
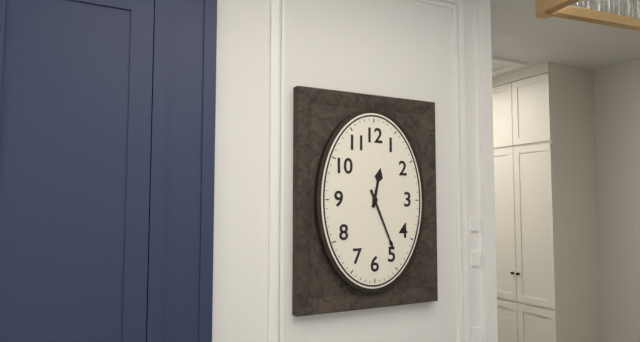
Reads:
{"hour": 12, "minute": 26}
